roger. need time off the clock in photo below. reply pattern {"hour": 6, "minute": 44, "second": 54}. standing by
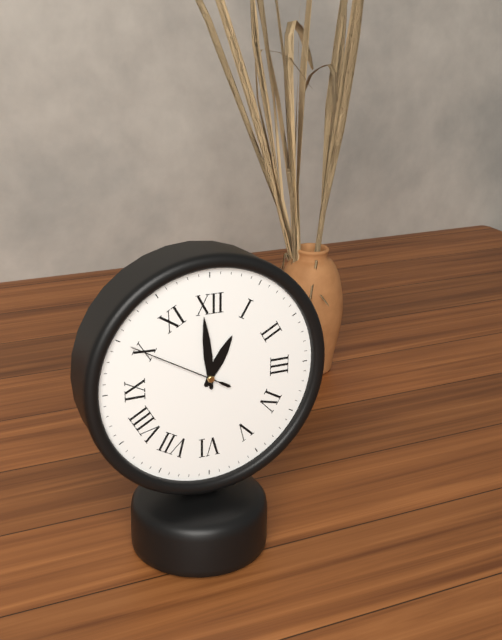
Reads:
{"hour": 12, "minute": 59, "second": 50}
